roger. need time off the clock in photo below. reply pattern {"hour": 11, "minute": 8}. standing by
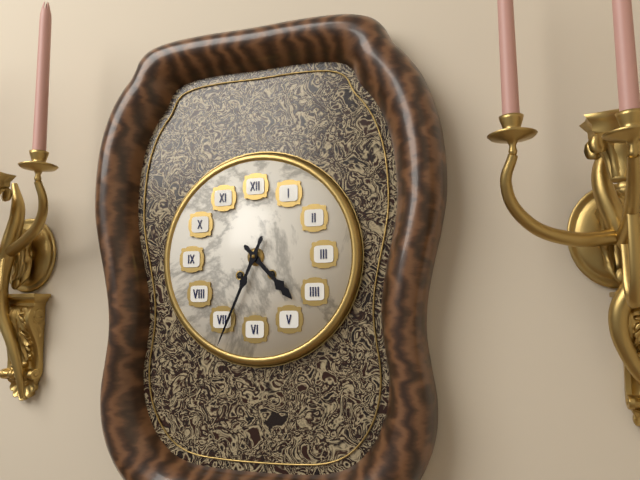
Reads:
{"hour": 4, "minute": 34}
